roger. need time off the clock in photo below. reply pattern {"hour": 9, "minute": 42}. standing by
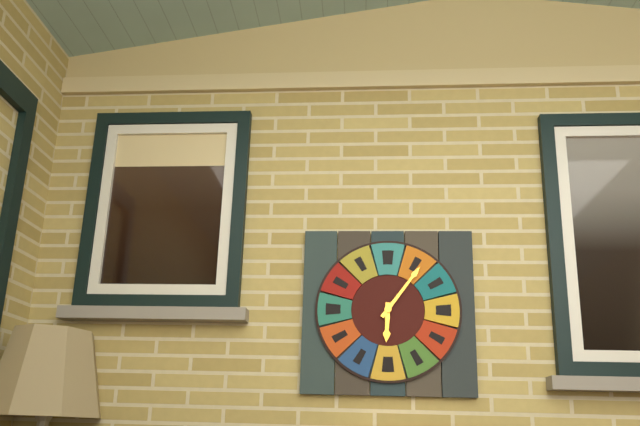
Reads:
{"hour": 6, "minute": 6}
